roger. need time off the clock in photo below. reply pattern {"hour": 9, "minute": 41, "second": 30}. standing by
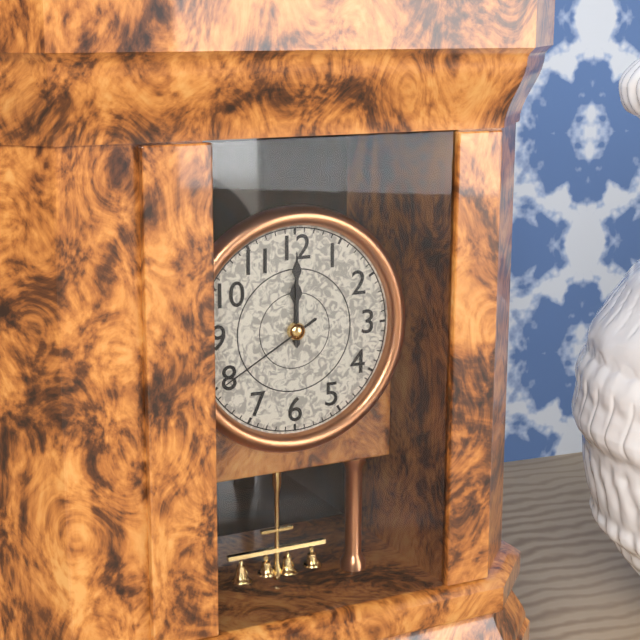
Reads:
{"hour": 12, "minute": 0, "second": 40}
